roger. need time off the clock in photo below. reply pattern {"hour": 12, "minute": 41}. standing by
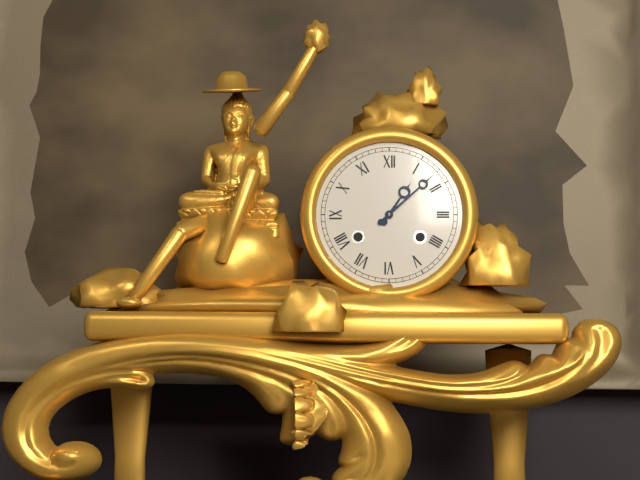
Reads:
{"hour": 1, "minute": 8}
